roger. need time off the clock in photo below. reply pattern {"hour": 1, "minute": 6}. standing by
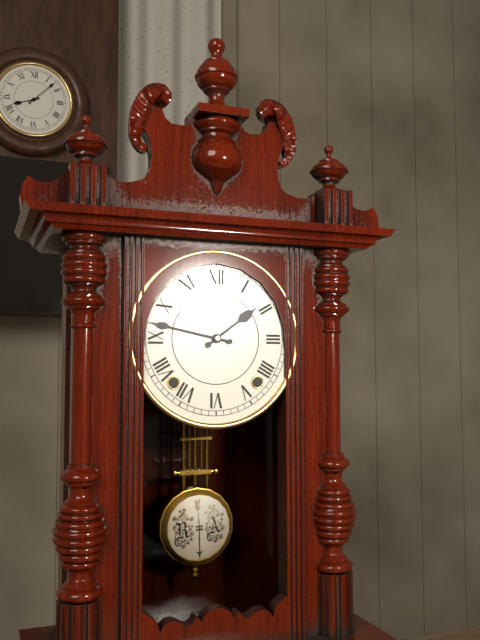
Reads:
{"hour": 1, "minute": 47}
